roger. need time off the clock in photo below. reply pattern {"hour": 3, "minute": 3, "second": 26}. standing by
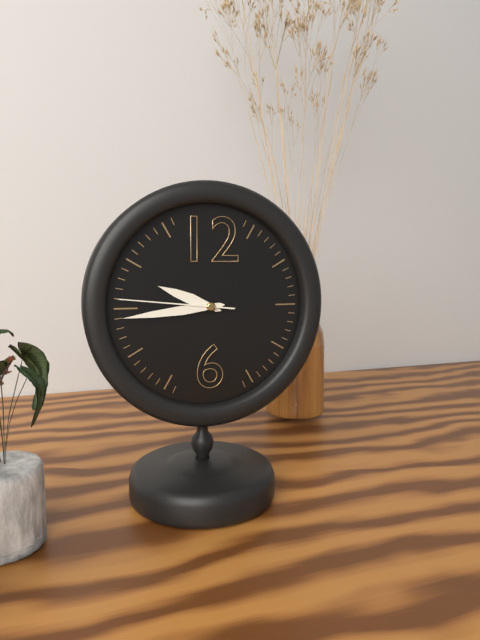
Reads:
{"hour": 9, "minute": 44, "second": 46}
